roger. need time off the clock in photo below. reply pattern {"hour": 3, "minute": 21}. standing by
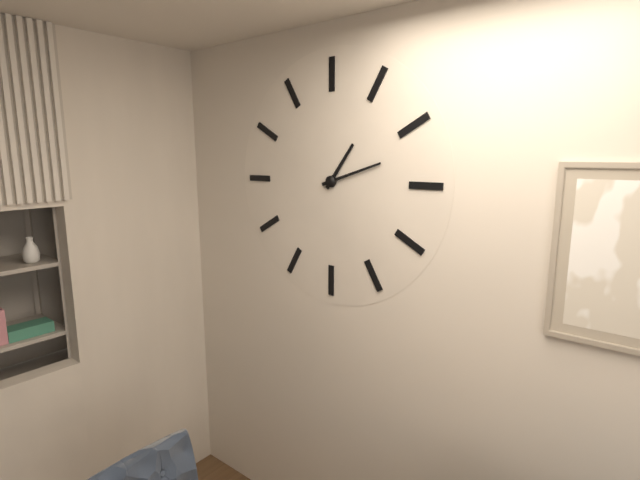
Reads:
{"hour": 1, "minute": 12}
